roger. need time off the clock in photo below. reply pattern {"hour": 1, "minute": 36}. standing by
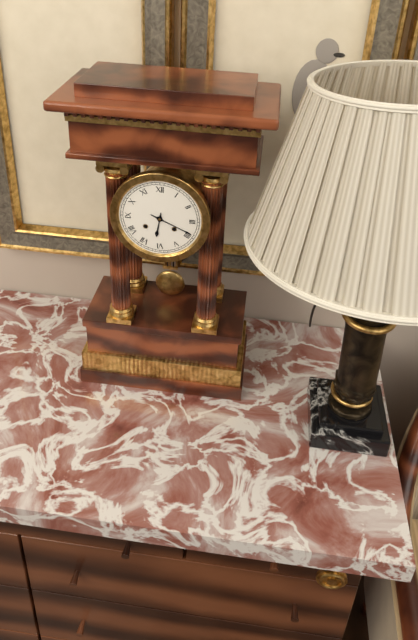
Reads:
{"hour": 6, "minute": 19}
